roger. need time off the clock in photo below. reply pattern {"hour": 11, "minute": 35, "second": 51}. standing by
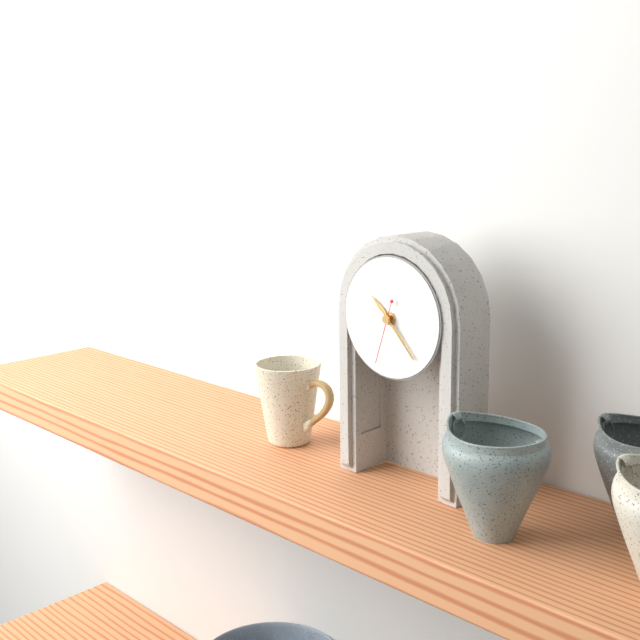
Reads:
{"hour": 10, "minute": 23, "second": 33}
